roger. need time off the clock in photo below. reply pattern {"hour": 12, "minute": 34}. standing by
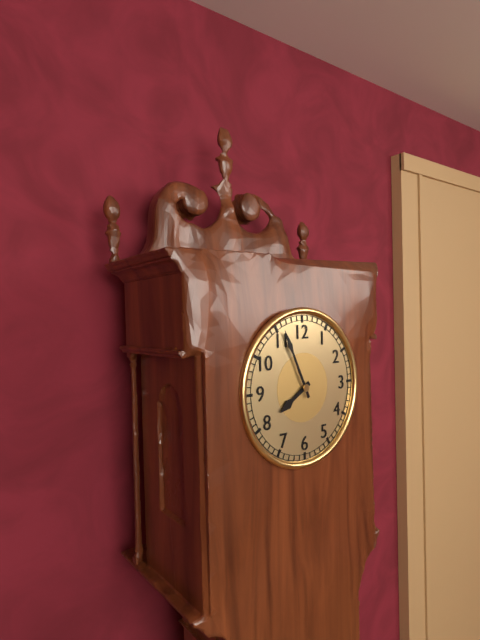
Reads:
{"hour": 7, "minute": 56}
